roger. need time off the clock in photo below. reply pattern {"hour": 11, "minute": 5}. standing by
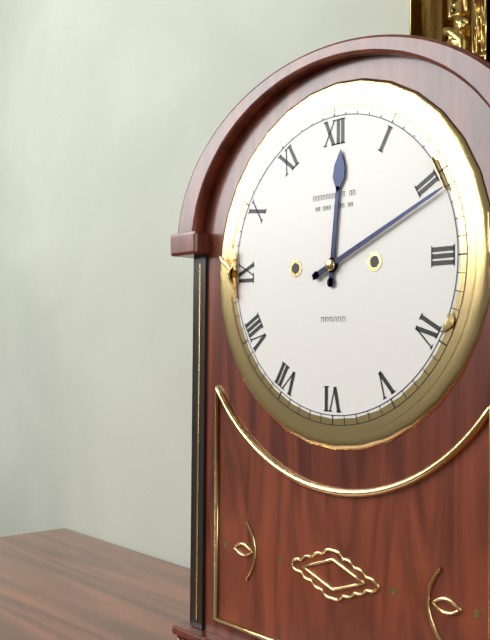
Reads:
{"hour": 12, "minute": 11}
